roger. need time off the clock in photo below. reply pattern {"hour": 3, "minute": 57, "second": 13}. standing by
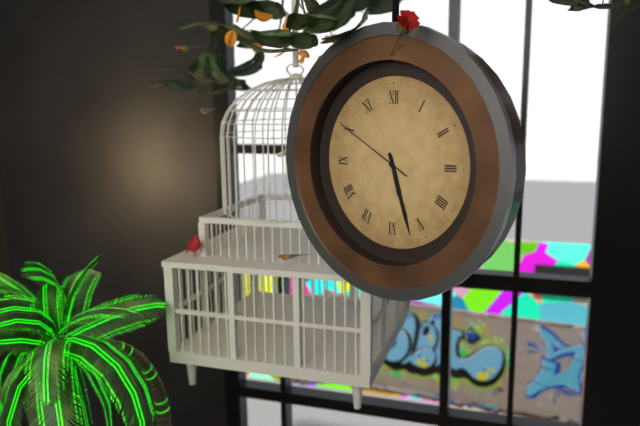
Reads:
{"hour": 5, "minute": 27, "second": 50}
